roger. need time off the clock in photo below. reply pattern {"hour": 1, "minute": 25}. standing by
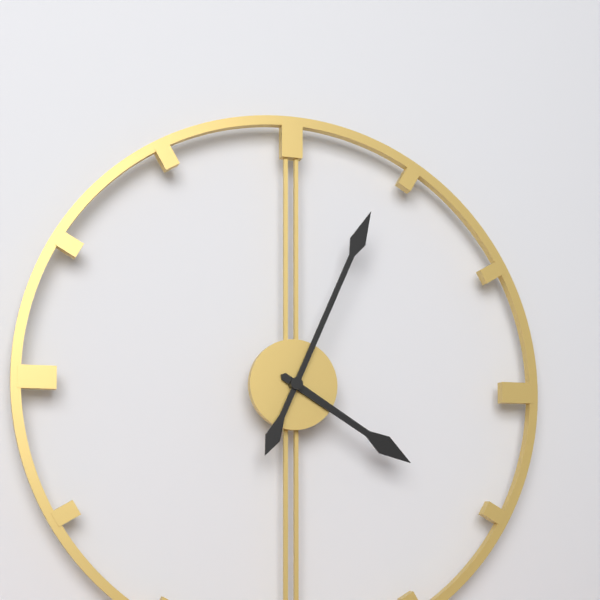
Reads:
{"hour": 4, "minute": 4}
